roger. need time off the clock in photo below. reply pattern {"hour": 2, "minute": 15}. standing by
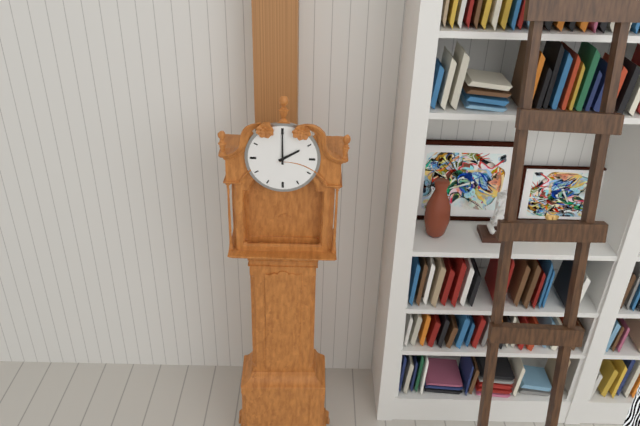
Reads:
{"hour": 2, "minute": 0}
